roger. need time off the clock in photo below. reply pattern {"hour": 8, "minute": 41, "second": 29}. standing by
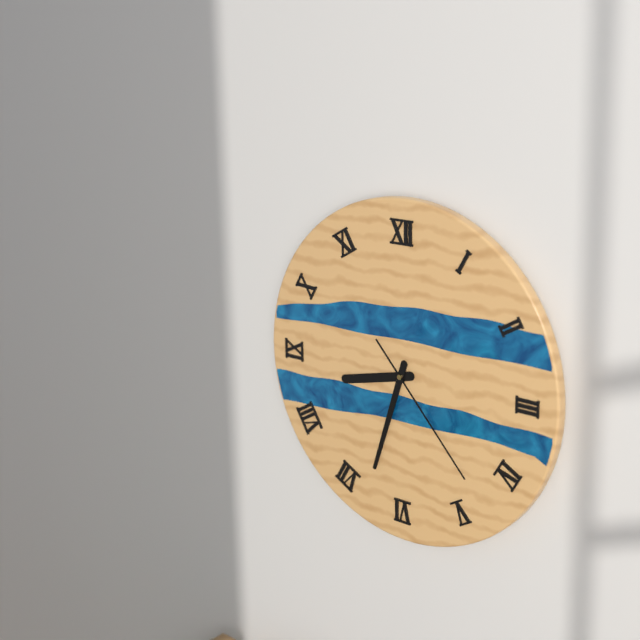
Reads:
{"hour": 8, "minute": 33, "second": 23}
